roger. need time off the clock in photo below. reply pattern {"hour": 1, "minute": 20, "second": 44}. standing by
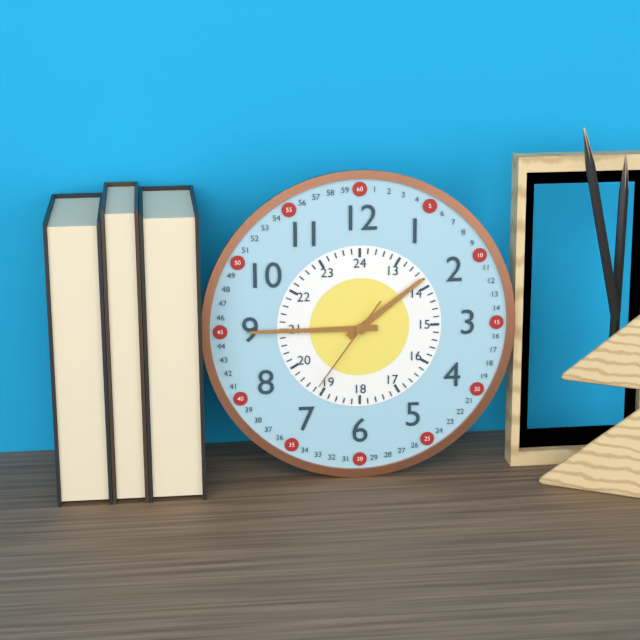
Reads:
{"hour": 1, "minute": 45, "second": 36}
